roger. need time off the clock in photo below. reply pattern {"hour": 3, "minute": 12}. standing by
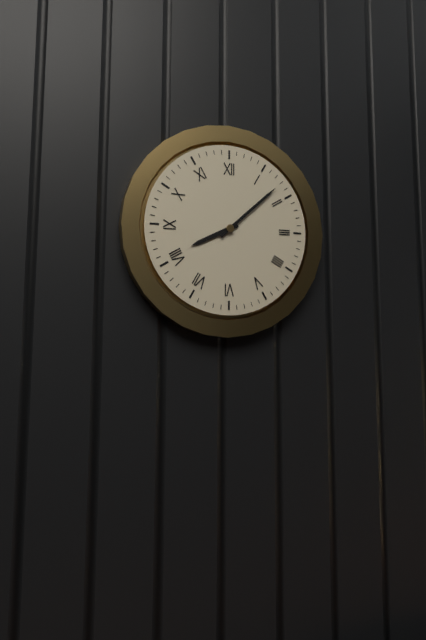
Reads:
{"hour": 8, "minute": 8}
